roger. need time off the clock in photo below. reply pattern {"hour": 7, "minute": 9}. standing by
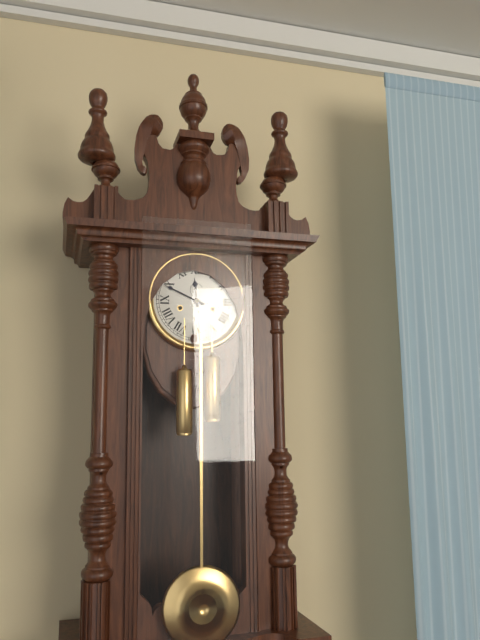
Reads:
{"hour": 11, "minute": 49}
